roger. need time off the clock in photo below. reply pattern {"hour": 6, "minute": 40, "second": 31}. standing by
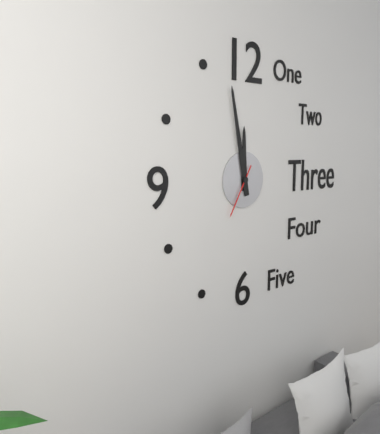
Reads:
{"hour": 11, "minute": 58, "second": 35}
